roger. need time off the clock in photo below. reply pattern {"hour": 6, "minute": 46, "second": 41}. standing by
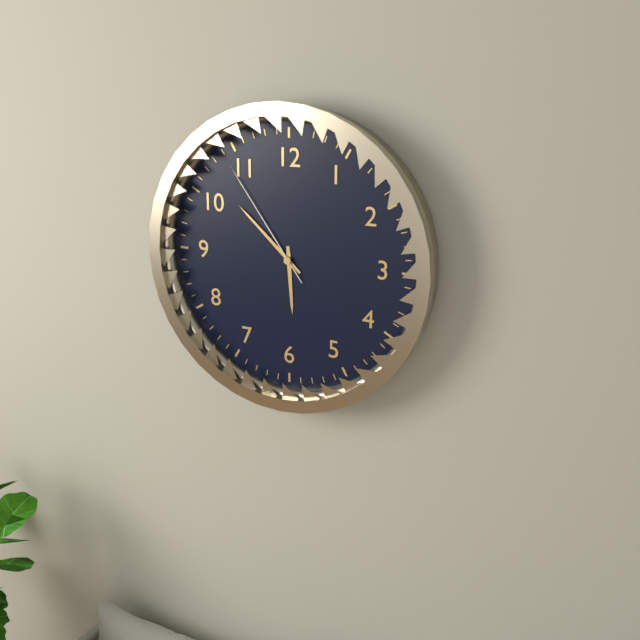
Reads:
{"hour": 5, "minute": 52, "second": 54}
